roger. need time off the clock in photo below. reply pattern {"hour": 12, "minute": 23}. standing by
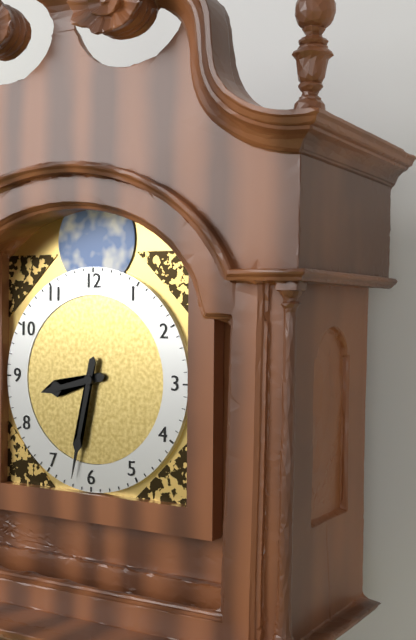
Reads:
{"hour": 8, "minute": 32}
